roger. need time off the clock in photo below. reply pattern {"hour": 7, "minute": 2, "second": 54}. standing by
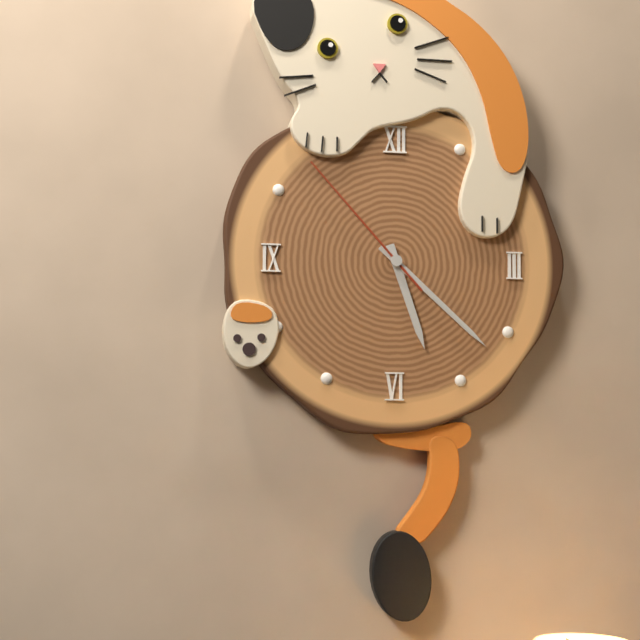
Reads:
{"hour": 5, "minute": 22, "second": 53}
